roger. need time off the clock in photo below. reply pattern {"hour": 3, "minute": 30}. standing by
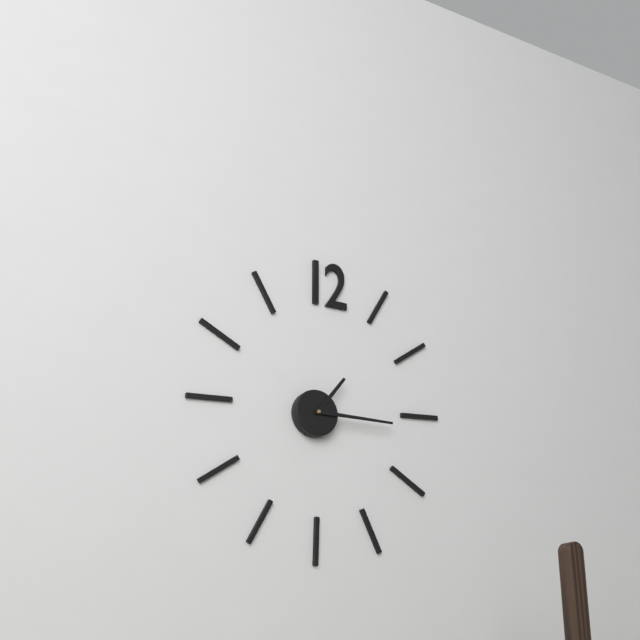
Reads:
{"hour": 1, "minute": 15}
